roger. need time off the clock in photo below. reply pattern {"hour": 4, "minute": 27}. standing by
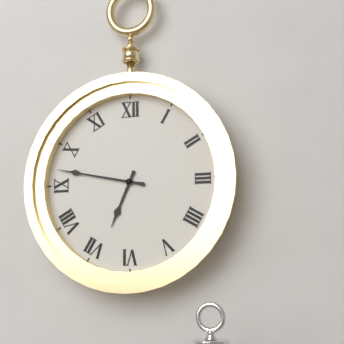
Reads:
{"hour": 6, "minute": 47}
